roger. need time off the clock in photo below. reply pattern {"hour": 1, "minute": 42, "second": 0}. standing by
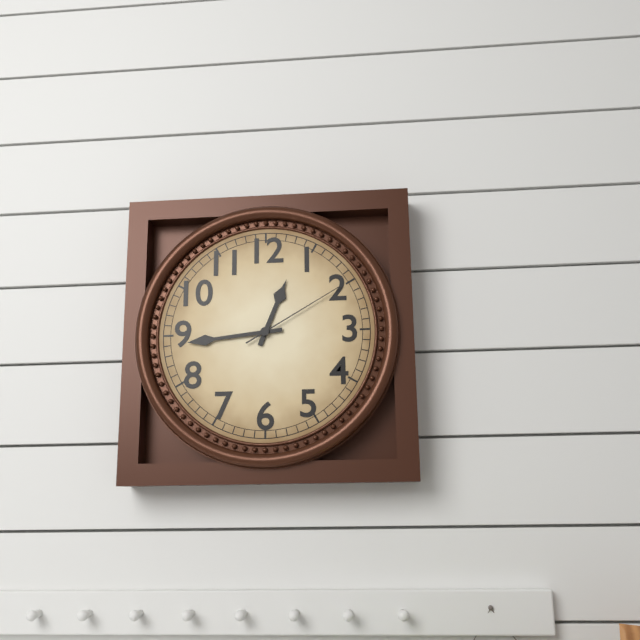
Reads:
{"hour": 12, "minute": 44, "second": 10}
